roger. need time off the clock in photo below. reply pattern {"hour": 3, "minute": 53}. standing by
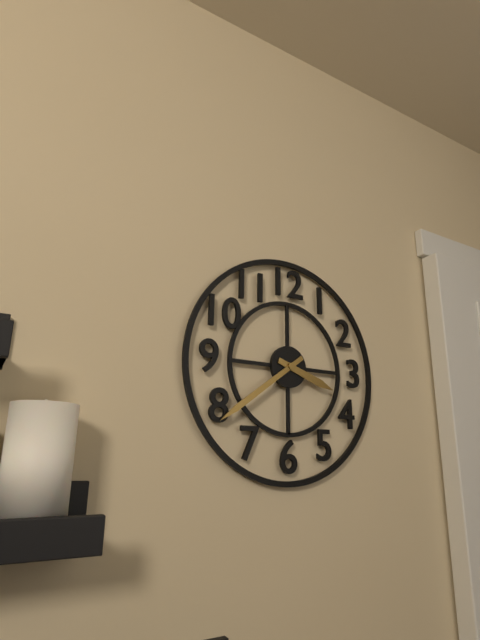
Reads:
{"hour": 3, "minute": 39}
